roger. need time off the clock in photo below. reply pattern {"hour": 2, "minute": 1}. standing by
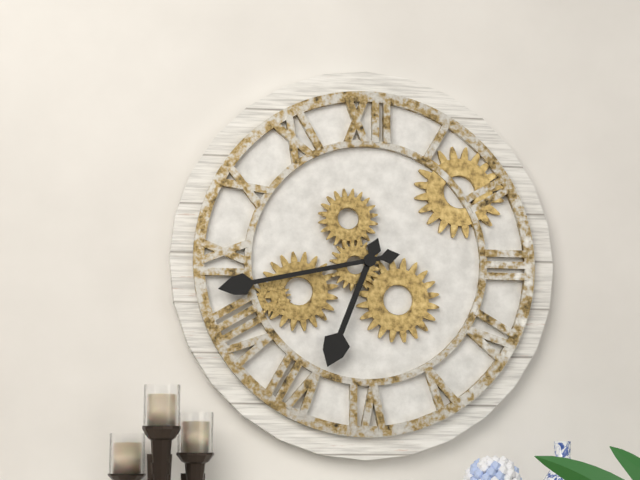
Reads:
{"hour": 6, "minute": 43}
